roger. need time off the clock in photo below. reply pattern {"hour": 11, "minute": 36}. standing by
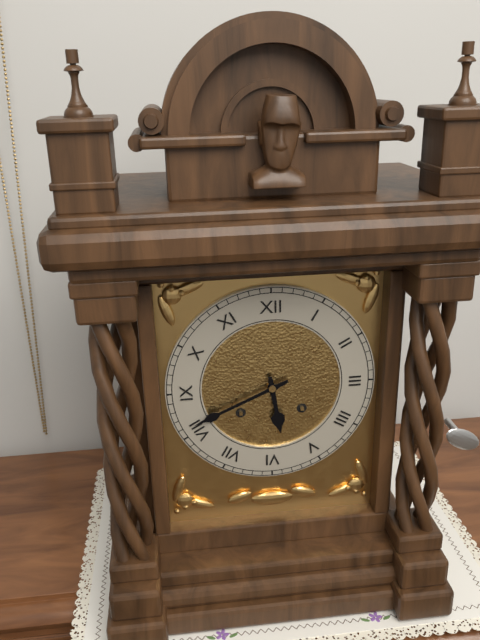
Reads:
{"hour": 5, "minute": 41}
